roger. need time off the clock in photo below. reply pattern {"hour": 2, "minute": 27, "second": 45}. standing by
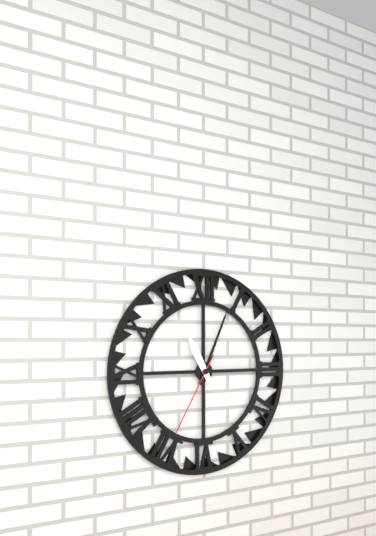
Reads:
{"hour": 11, "minute": 4, "second": 35}
